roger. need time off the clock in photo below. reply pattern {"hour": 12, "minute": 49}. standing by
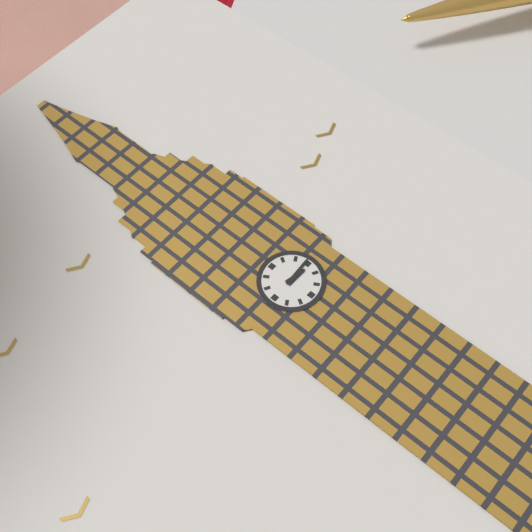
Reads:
{"hour": 3, "minute": 14}
